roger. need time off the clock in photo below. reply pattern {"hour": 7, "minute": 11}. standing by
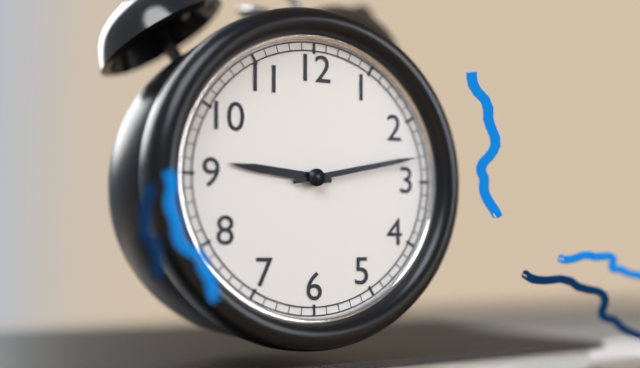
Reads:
{"hour": 9, "minute": 13}
